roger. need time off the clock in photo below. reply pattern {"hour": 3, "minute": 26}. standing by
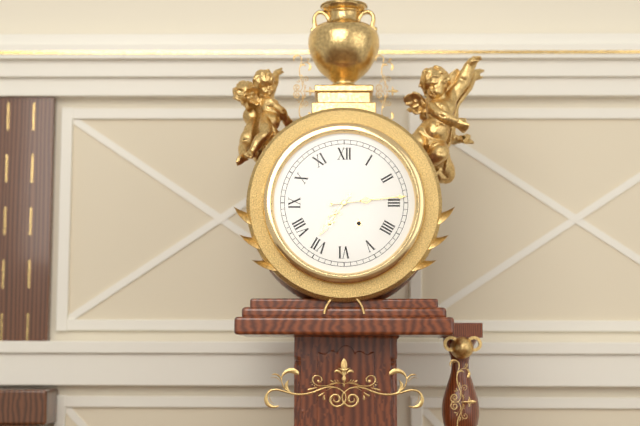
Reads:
{"hour": 7, "minute": 14}
